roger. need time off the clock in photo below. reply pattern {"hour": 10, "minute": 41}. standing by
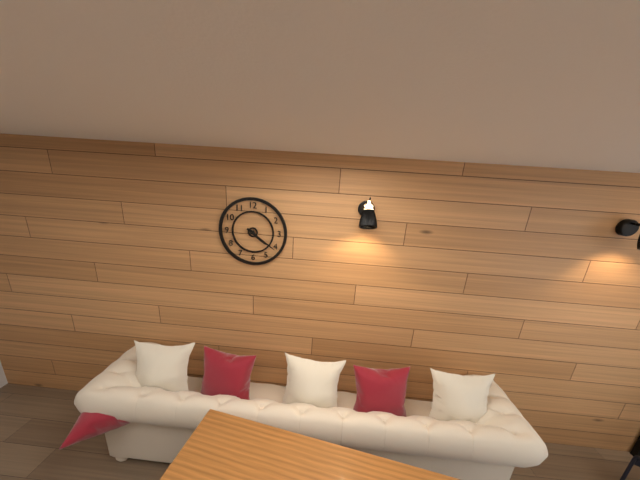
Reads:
{"hour": 4, "minute": 21}
